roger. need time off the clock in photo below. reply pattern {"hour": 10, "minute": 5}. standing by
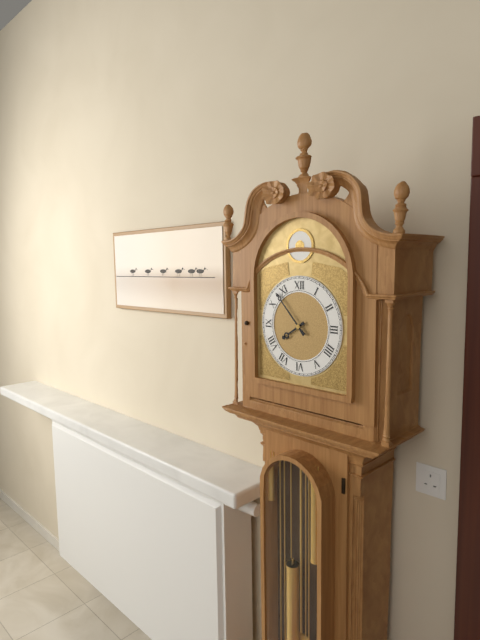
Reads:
{"hour": 7, "minute": 53}
